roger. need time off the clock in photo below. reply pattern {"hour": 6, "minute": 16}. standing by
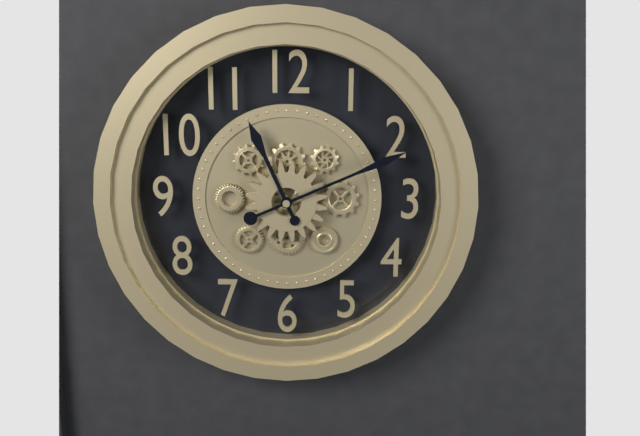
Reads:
{"hour": 11, "minute": 11}
